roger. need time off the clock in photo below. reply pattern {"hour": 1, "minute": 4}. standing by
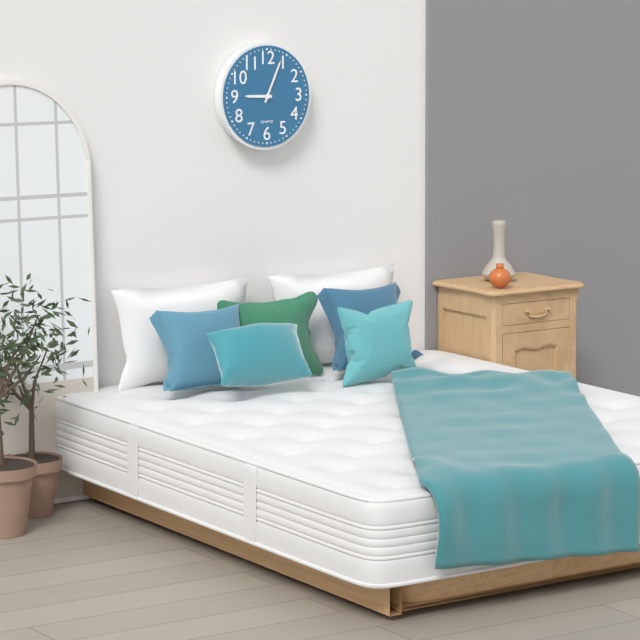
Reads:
{"hour": 9, "minute": 4}
